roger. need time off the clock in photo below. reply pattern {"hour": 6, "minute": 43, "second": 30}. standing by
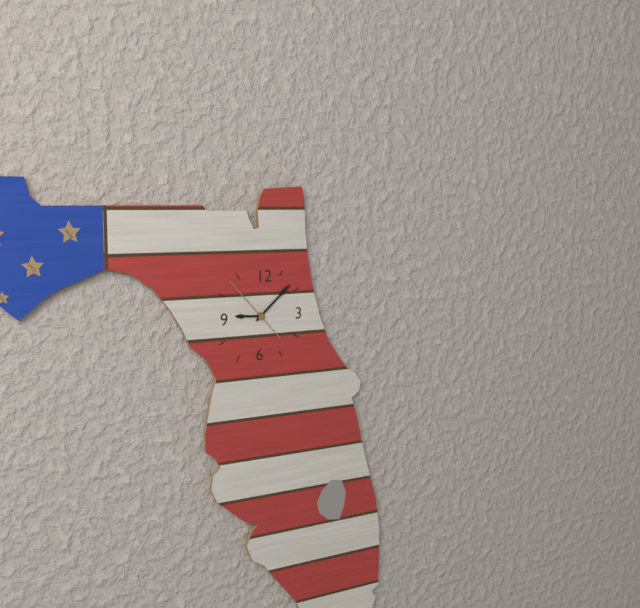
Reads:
{"hour": 9, "minute": 8, "second": 53}
